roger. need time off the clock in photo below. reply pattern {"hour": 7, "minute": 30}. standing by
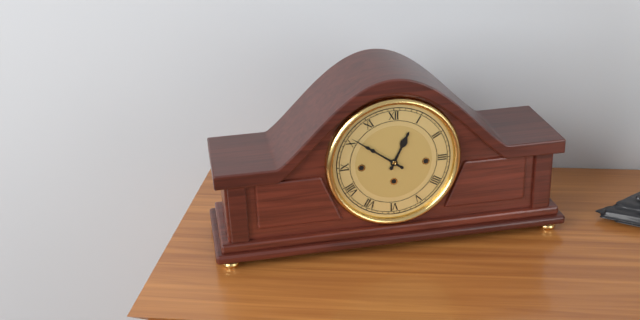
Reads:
{"hour": 12, "minute": 51}
